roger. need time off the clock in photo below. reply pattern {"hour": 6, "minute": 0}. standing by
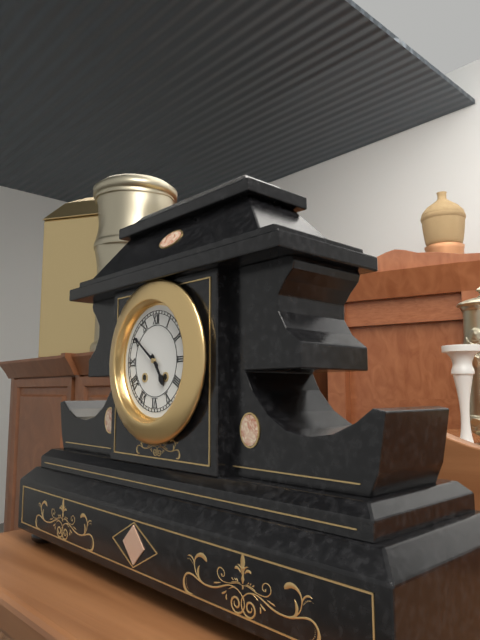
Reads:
{"hour": 4, "minute": 51}
